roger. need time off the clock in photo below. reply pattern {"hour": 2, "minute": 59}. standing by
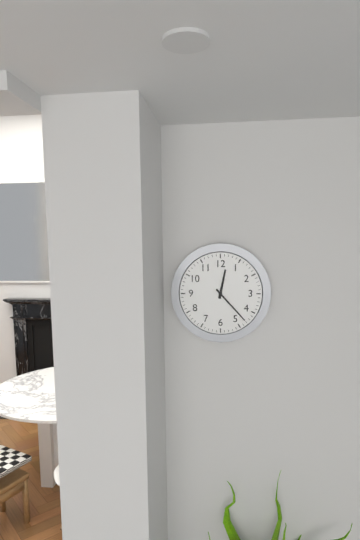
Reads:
{"hour": 12, "minute": 23}
